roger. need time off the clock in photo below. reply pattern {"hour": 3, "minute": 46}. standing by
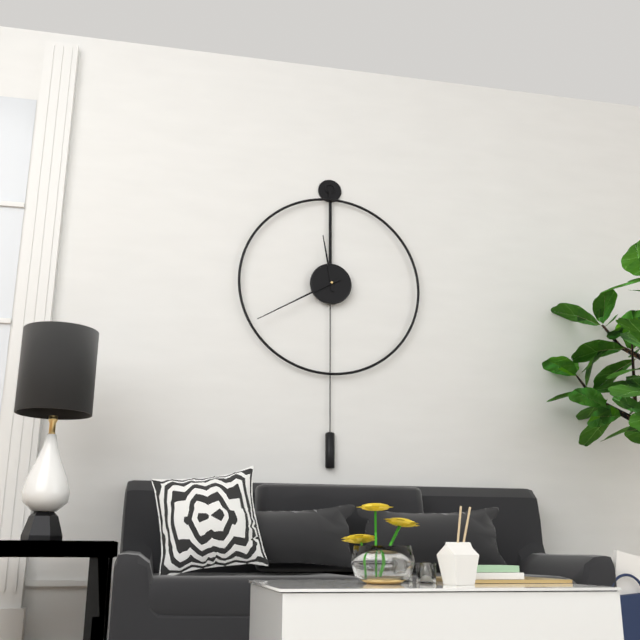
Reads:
{"hour": 11, "minute": 40}
